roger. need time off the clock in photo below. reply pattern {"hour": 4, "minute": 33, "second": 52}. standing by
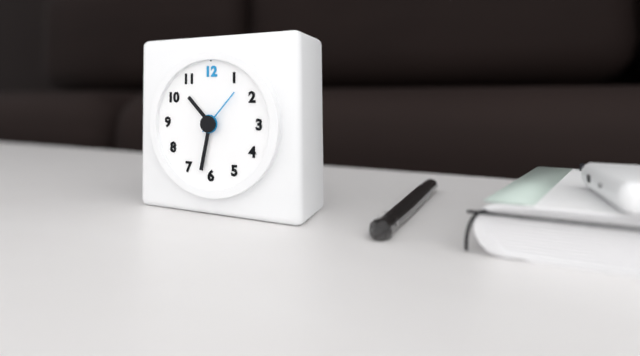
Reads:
{"hour": 10, "minute": 32, "second": 7}
